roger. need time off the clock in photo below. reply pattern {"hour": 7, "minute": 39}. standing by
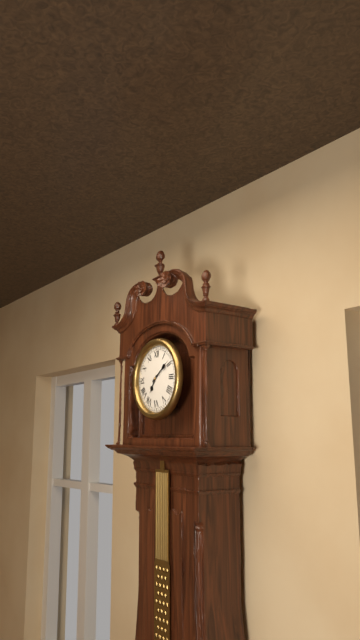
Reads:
{"hour": 7, "minute": 9}
